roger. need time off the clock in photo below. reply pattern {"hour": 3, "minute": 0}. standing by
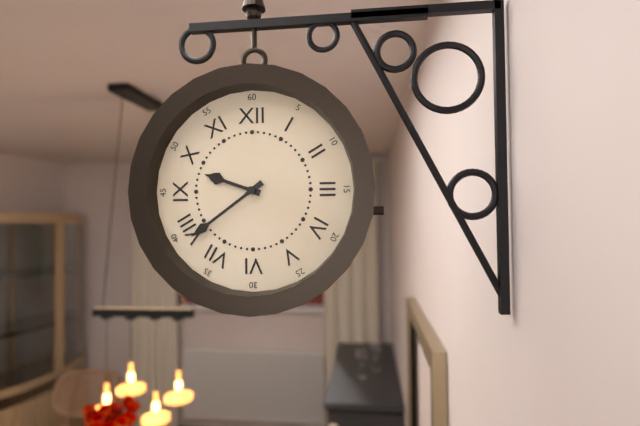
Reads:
{"hour": 9, "minute": 39}
